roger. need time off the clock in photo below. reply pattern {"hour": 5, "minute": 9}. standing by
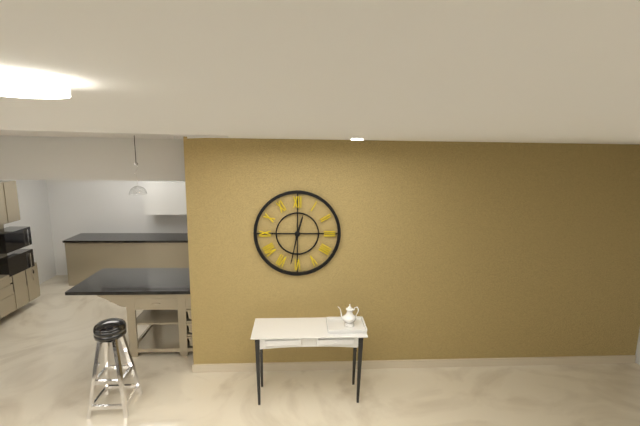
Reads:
{"hour": 12, "minute": 32}
